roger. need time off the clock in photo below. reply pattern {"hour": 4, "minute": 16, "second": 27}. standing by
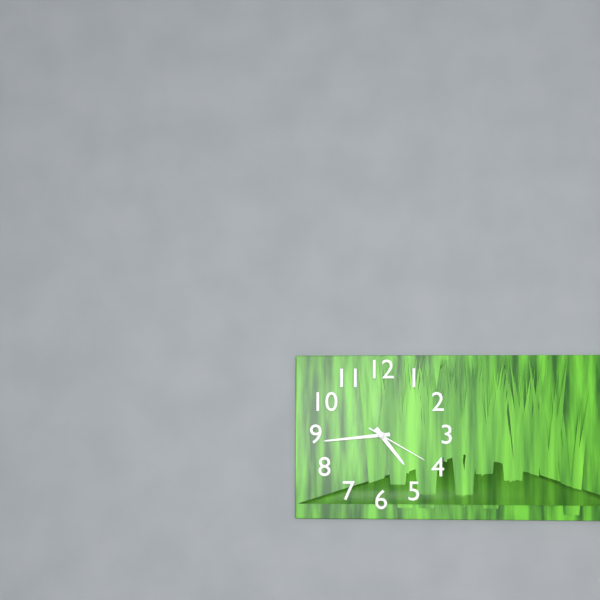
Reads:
{"hour": 4, "minute": 44, "second": 20}
